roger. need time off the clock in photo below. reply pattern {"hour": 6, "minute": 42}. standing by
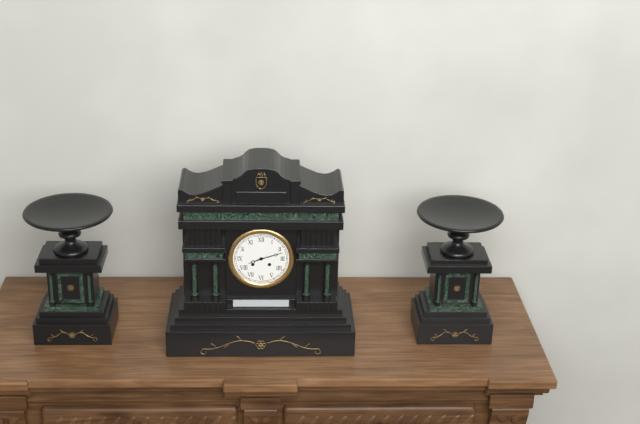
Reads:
{"hour": 8, "minute": 12}
